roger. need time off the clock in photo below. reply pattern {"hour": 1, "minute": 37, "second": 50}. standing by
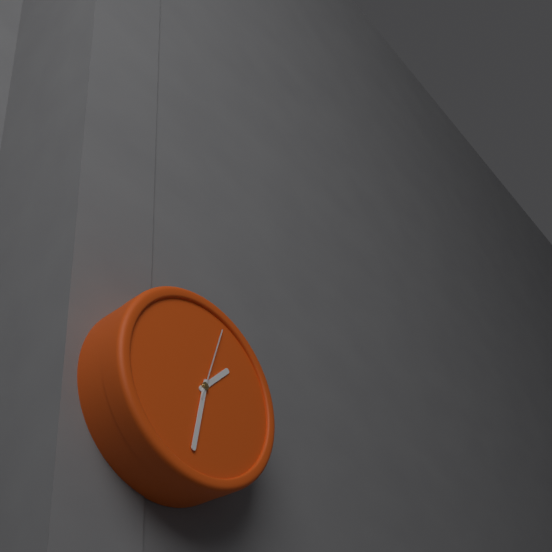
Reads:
{"hour": 1, "minute": 32, "second": 3}
